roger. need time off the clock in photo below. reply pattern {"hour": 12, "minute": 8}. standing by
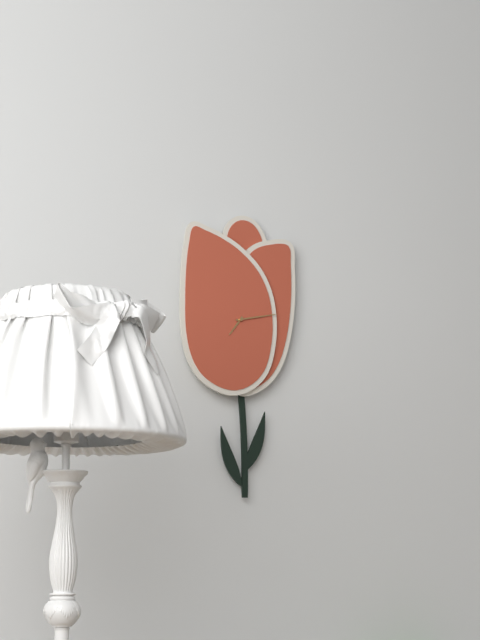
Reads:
{"hour": 7, "minute": 13}
